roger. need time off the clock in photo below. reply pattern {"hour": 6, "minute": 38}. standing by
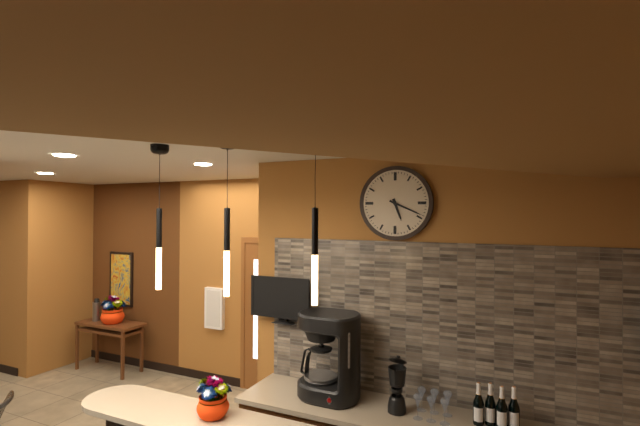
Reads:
{"hour": 5, "minute": 19}
